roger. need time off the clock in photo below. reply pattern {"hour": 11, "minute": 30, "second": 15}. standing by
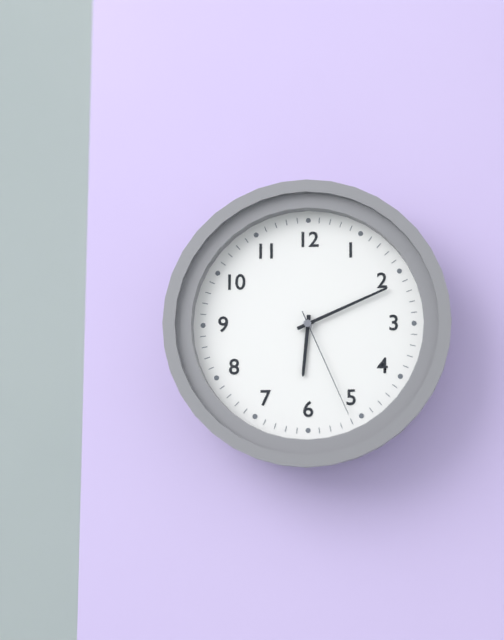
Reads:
{"hour": 6, "minute": 11, "second": 26}
